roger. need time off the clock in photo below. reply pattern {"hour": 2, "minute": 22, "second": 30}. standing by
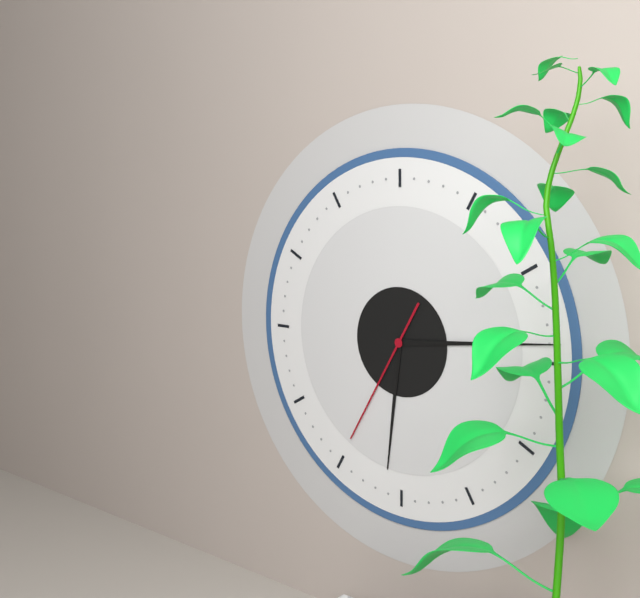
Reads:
{"hour": 6, "minute": 14, "second": 35}
